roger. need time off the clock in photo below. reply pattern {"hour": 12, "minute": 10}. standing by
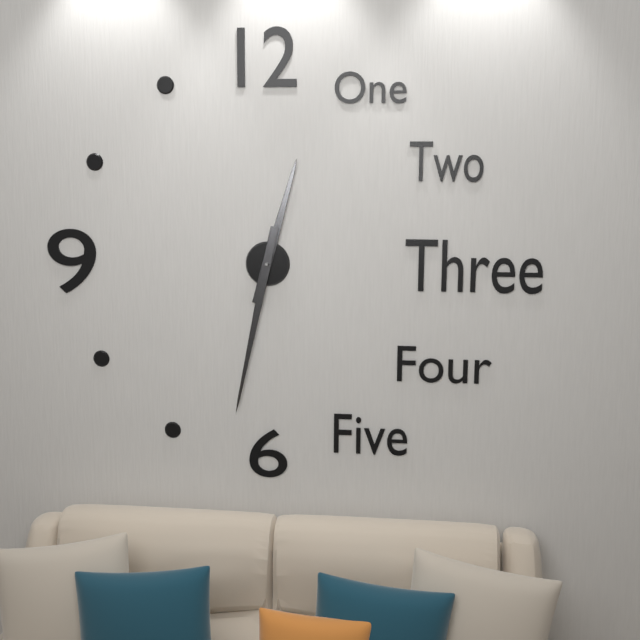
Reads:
{"hour": 12, "minute": 32}
